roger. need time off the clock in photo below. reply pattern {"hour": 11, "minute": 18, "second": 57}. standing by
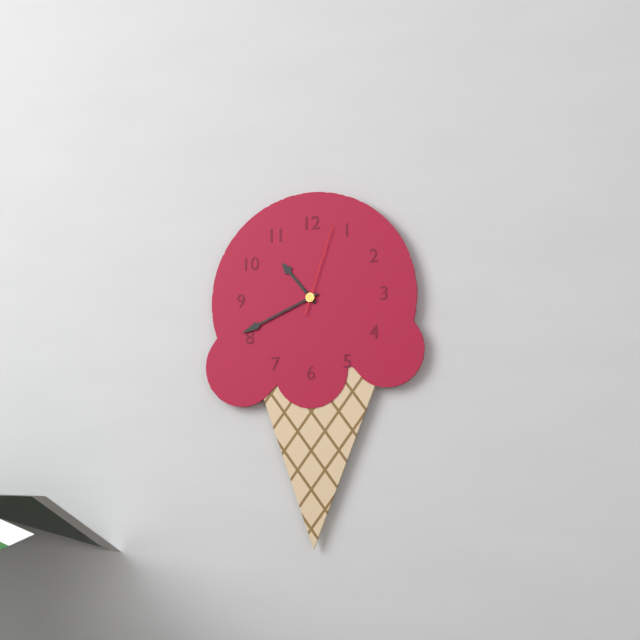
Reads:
{"hour": 10, "minute": 41, "second": 3}
